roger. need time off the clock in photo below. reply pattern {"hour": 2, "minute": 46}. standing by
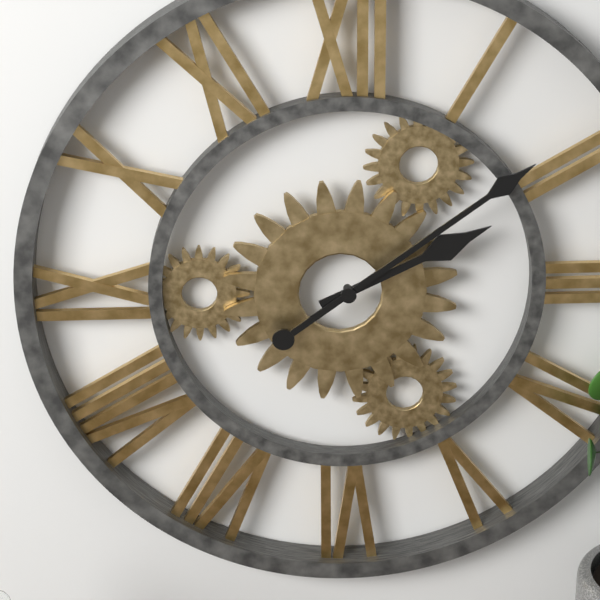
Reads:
{"hour": 2, "minute": 9}
